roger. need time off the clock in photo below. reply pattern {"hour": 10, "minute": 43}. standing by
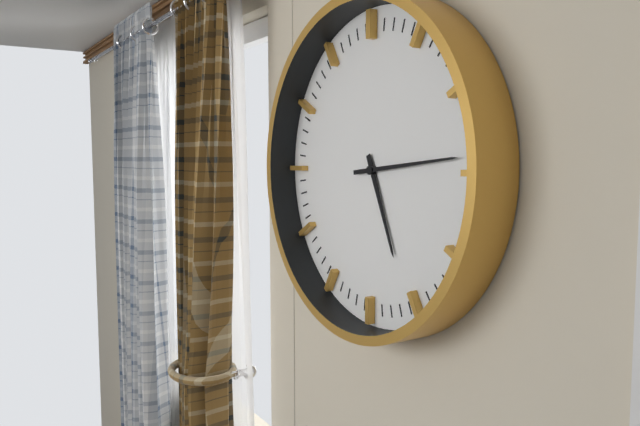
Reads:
{"hour": 5, "minute": 14}
